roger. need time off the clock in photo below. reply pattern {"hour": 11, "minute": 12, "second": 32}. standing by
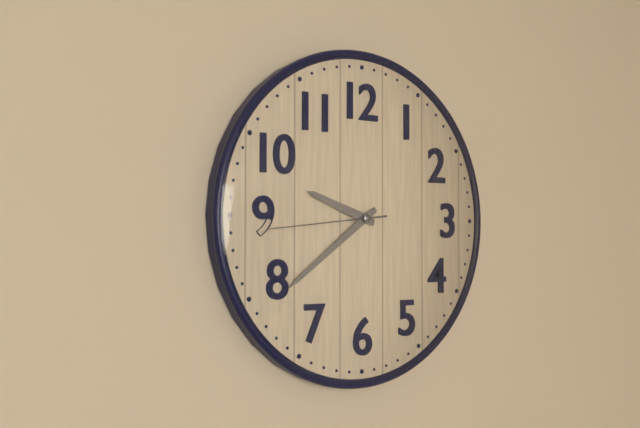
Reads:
{"hour": 9, "minute": 39, "second": 44}
